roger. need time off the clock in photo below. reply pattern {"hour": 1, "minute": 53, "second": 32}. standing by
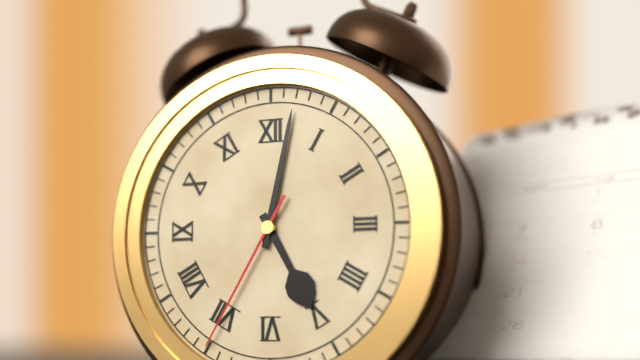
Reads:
{"hour": 5, "minute": 2, "second": 35}
